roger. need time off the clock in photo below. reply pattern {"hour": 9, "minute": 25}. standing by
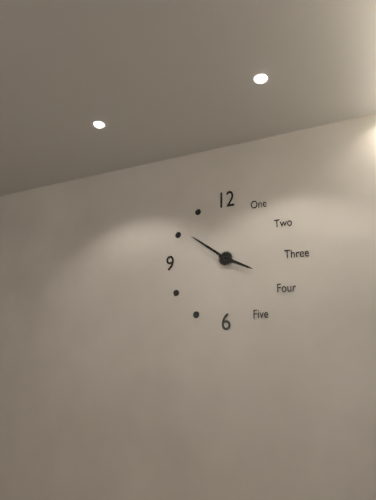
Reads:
{"hour": 3, "minute": 51}
